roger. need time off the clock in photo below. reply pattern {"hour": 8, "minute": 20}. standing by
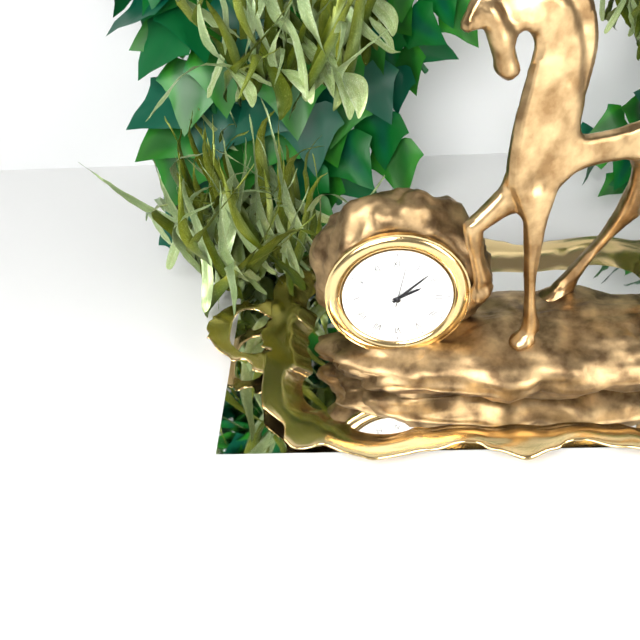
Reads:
{"hour": 2, "minute": 8}
